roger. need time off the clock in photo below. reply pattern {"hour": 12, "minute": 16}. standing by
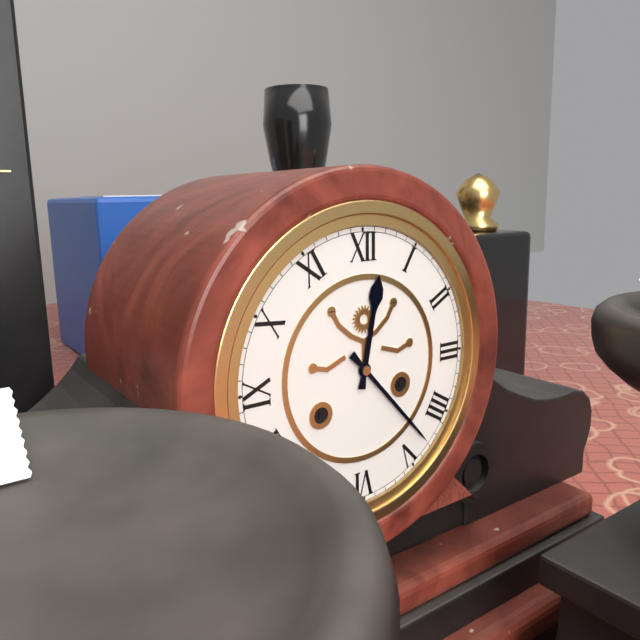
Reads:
{"hour": 12, "minute": 23}
